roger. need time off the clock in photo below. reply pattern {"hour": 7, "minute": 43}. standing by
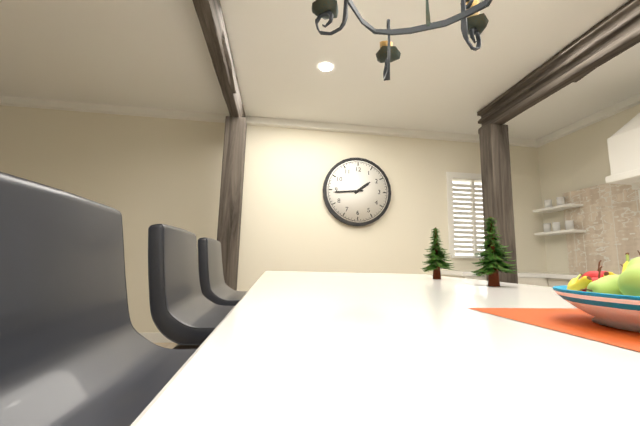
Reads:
{"hour": 1, "minute": 44}
